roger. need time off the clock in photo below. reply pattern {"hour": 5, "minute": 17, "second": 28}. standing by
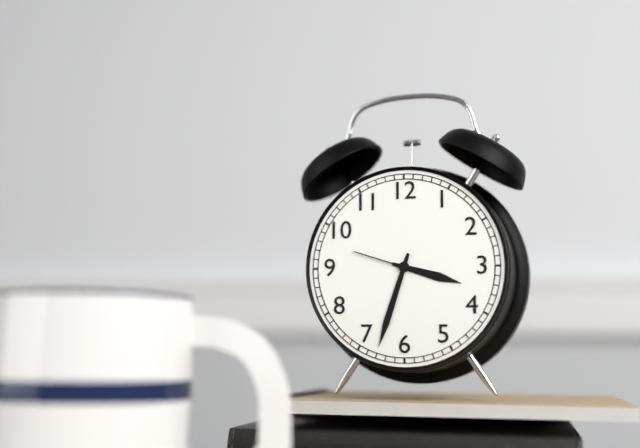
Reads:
{"hour": 3, "minute": 33, "second": 48}
